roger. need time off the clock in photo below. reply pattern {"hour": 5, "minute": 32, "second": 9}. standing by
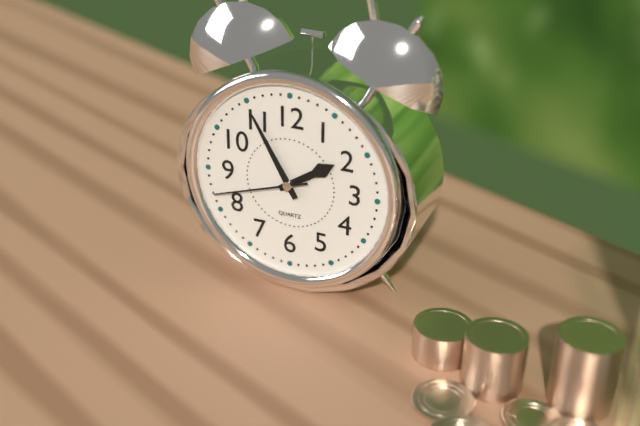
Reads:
{"hour": 1, "minute": 55, "second": 42}
